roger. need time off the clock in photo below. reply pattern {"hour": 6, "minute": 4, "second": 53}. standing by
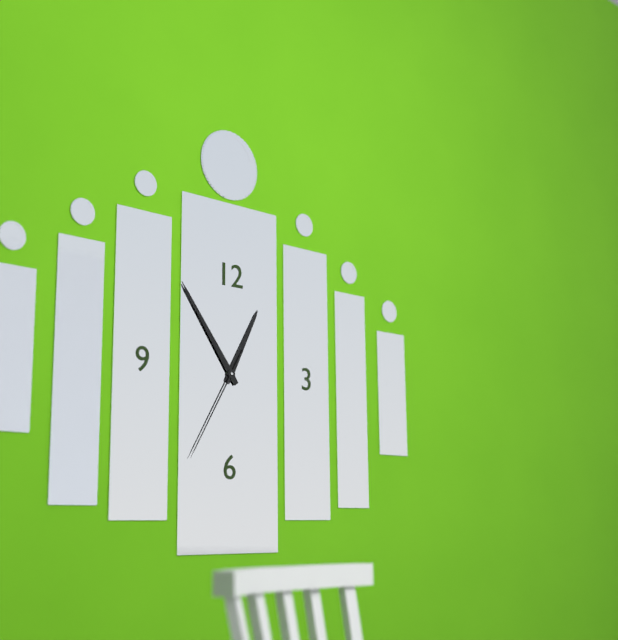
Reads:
{"hour": 12, "minute": 54, "second": 35}
